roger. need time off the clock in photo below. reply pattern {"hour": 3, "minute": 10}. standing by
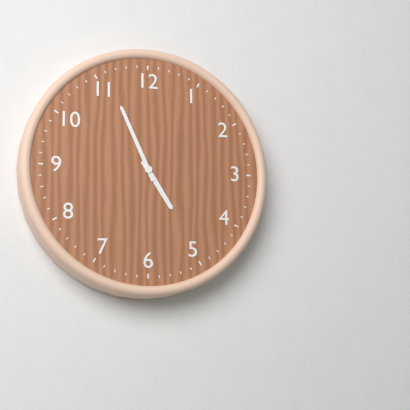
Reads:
{"hour": 4, "minute": 56}
